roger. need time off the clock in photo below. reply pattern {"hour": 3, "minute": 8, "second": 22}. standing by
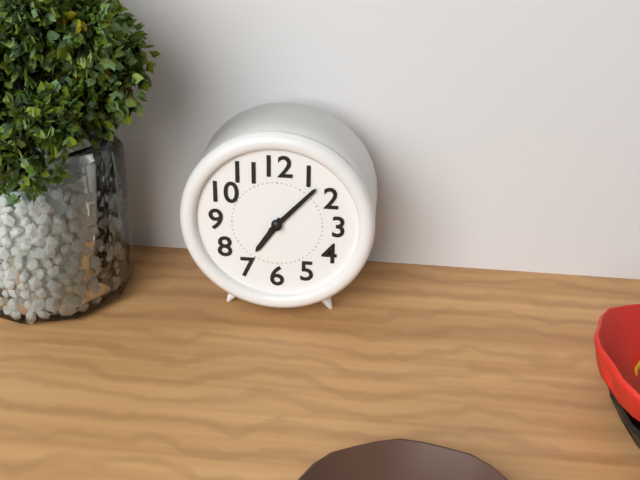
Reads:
{"hour": 7, "minute": 7, "second": 7}
